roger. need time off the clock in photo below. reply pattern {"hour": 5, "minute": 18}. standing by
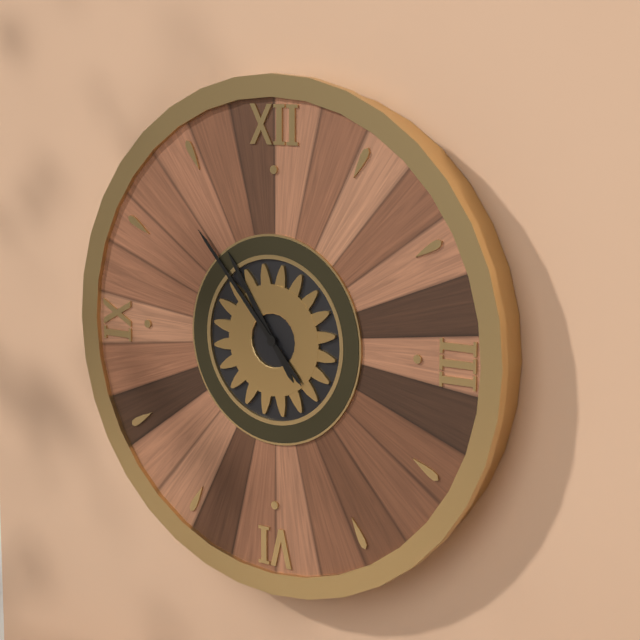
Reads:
{"hour": 10, "minute": 53}
